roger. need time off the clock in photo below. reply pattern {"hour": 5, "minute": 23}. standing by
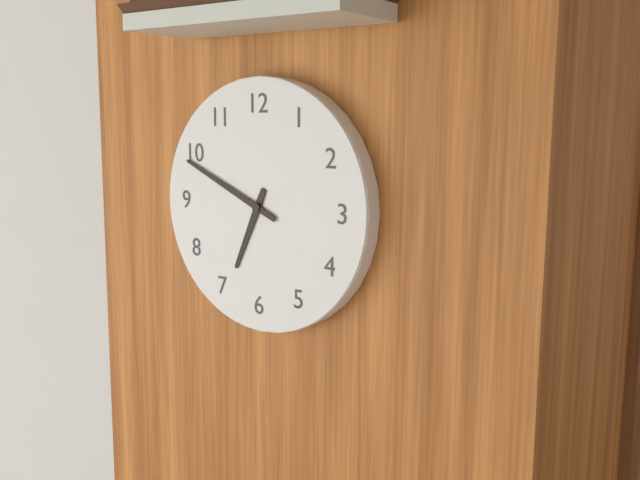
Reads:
{"hour": 6, "minute": 49}
